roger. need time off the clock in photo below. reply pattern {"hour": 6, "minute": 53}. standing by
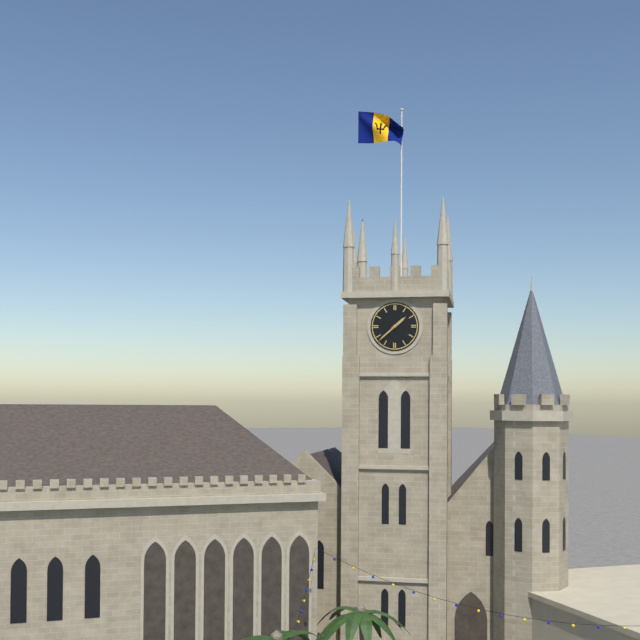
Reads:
{"hour": 1, "minute": 38}
